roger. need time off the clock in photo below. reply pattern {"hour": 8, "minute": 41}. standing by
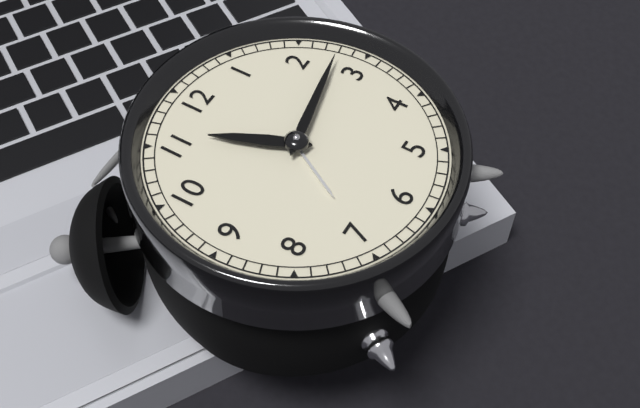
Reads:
{"hour": 11, "minute": 13}
